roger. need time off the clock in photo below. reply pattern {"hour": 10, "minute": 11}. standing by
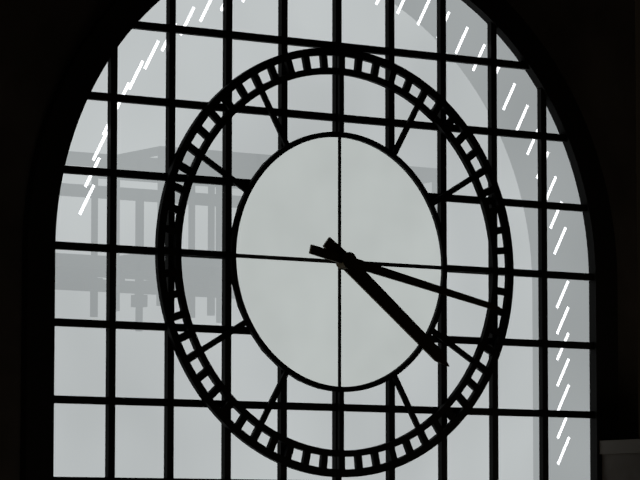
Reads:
{"hour": 4, "minute": 17}
